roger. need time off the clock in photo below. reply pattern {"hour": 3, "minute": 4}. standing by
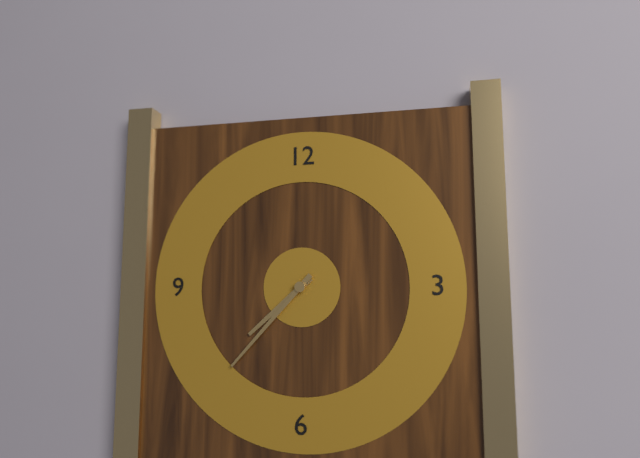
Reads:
{"hour": 7, "minute": 37}
